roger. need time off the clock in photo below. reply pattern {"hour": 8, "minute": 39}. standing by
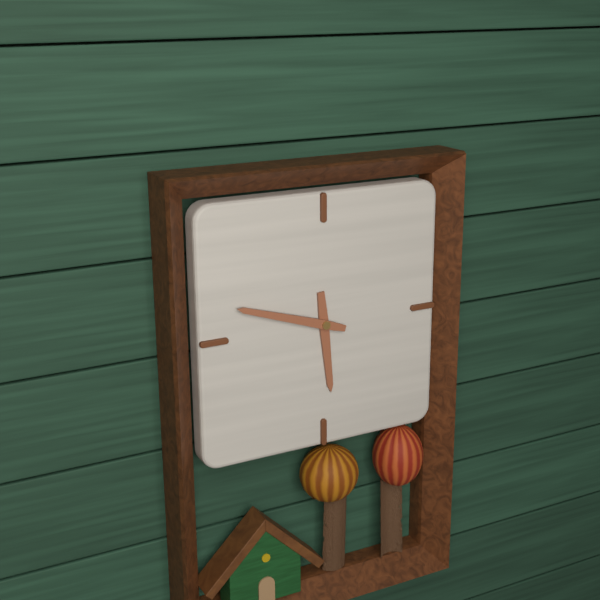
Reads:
{"hour": 5, "minute": 48}
